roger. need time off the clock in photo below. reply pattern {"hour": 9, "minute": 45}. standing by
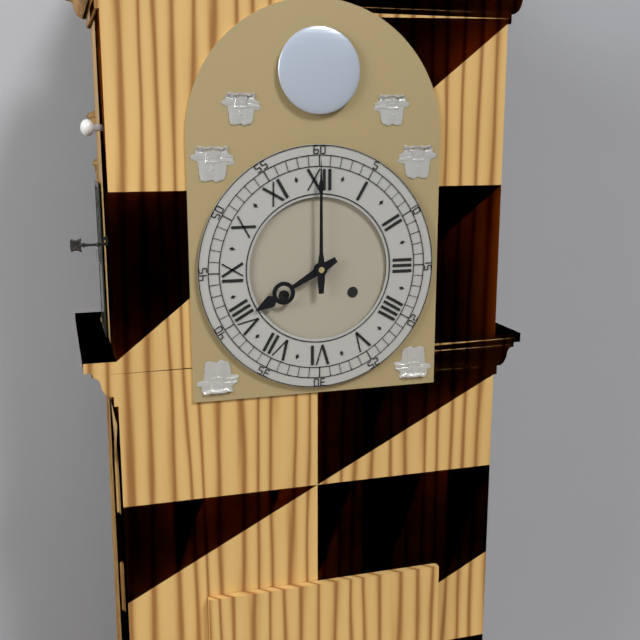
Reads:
{"hour": 8, "minute": 0}
